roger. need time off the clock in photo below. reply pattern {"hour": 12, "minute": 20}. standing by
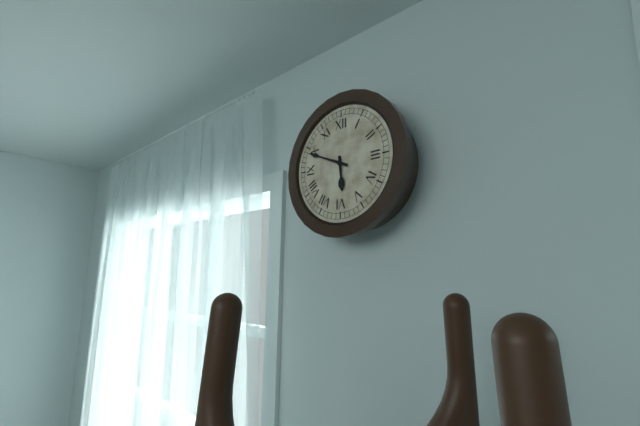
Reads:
{"hour": 5, "minute": 49}
